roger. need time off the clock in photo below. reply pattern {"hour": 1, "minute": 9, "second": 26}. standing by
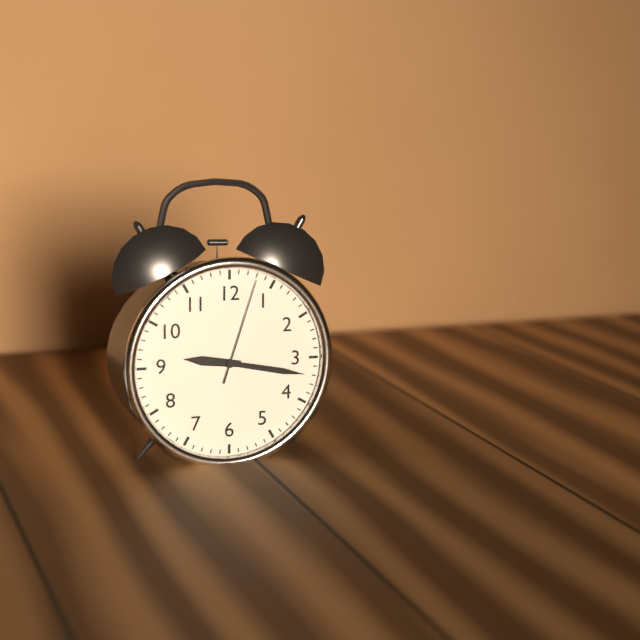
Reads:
{"hour": 9, "minute": 17, "second": 3}
